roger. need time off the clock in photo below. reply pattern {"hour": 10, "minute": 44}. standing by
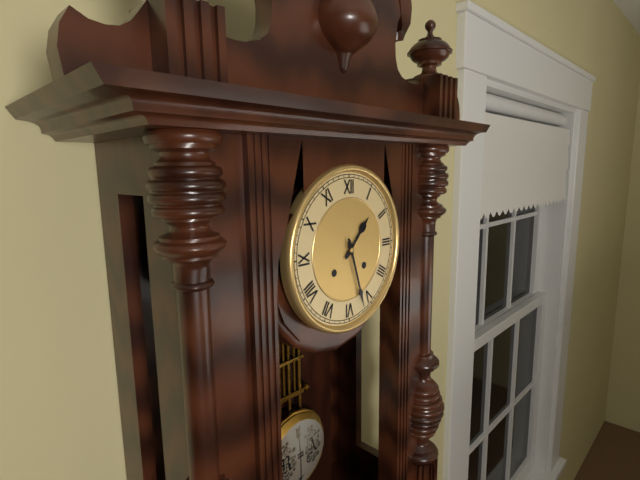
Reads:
{"hour": 1, "minute": 27}
